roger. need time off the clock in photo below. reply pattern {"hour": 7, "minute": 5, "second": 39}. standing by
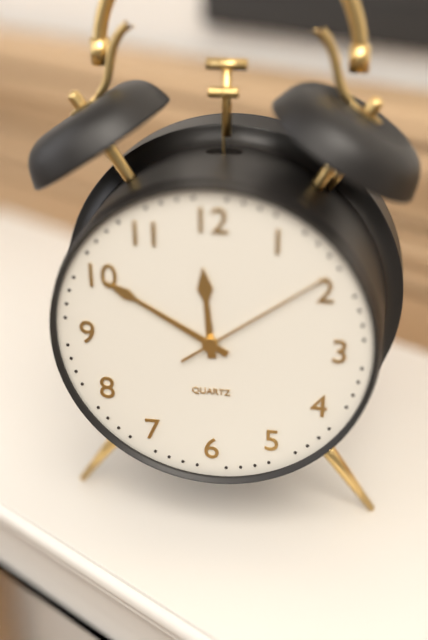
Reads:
{"hour": 11, "minute": 50, "second": 9}
